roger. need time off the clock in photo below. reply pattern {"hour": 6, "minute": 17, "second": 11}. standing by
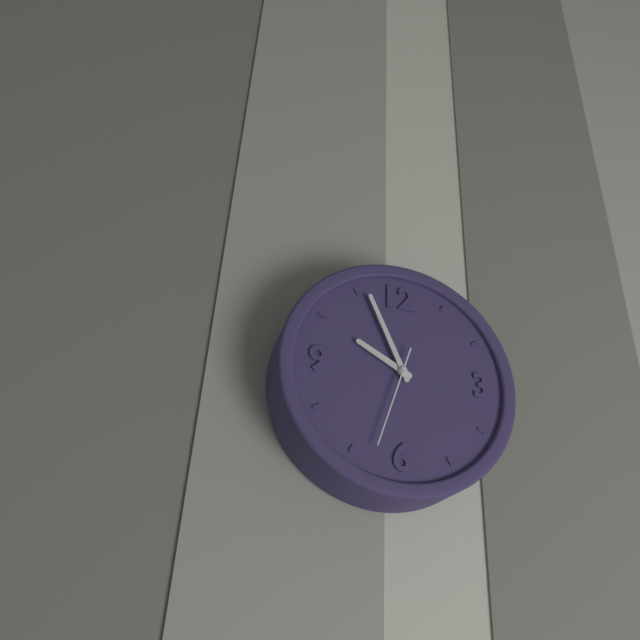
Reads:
{"hour": 9, "minute": 56, "second": 33}
